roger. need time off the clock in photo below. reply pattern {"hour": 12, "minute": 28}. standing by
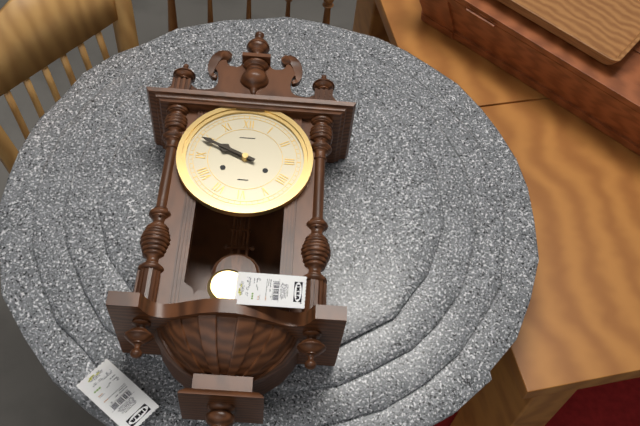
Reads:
{"hour": 9, "minute": 49}
